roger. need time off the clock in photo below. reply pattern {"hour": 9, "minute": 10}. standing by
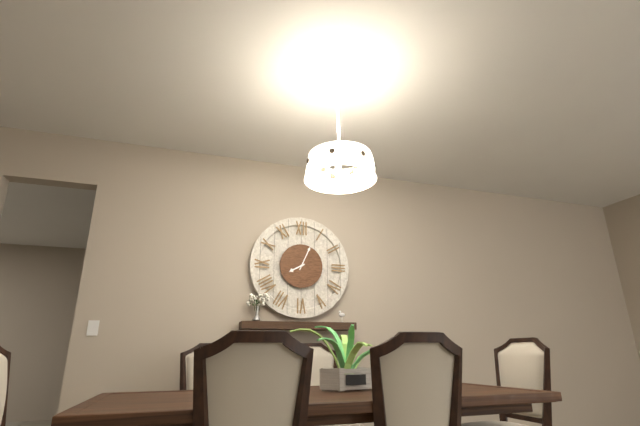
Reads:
{"hour": 8, "minute": 4}
